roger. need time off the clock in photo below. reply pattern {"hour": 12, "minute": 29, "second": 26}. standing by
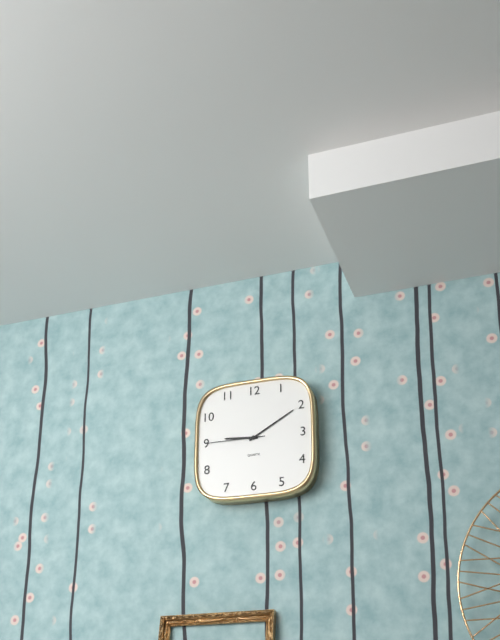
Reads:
{"hour": 9, "minute": 10, "second": 45}
